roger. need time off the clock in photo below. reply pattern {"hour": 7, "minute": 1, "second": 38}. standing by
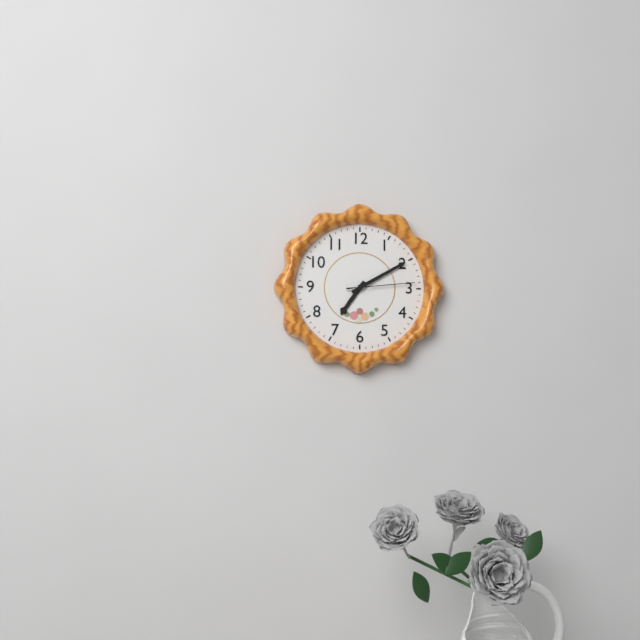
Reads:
{"hour": 7, "minute": 10, "second": 14}
